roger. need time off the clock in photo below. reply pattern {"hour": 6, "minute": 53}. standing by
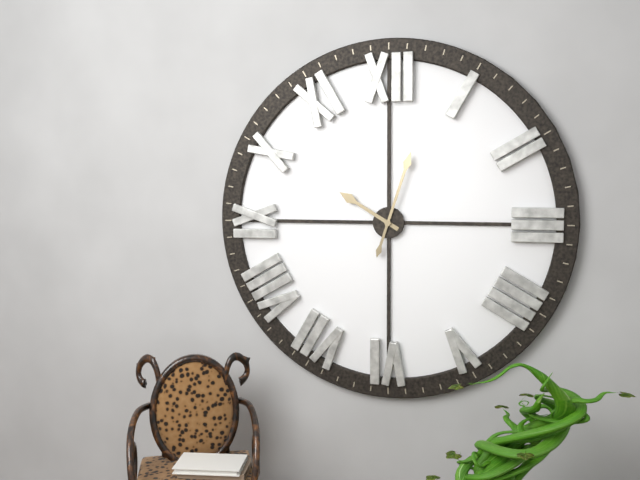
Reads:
{"hour": 10, "minute": 3}
